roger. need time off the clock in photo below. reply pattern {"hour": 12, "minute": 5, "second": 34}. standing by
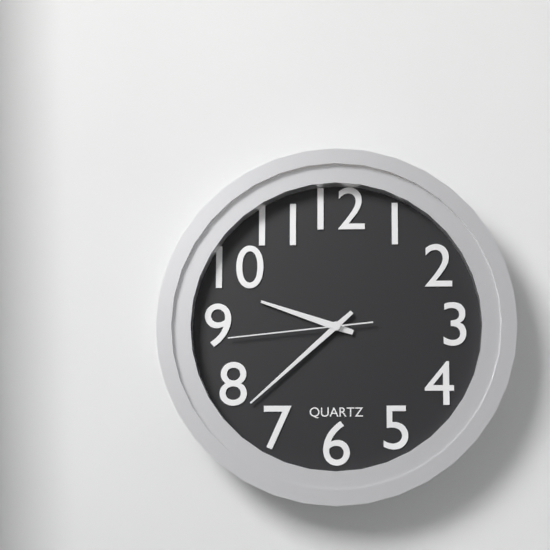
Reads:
{"hour": 9, "minute": 38, "second": 44}
